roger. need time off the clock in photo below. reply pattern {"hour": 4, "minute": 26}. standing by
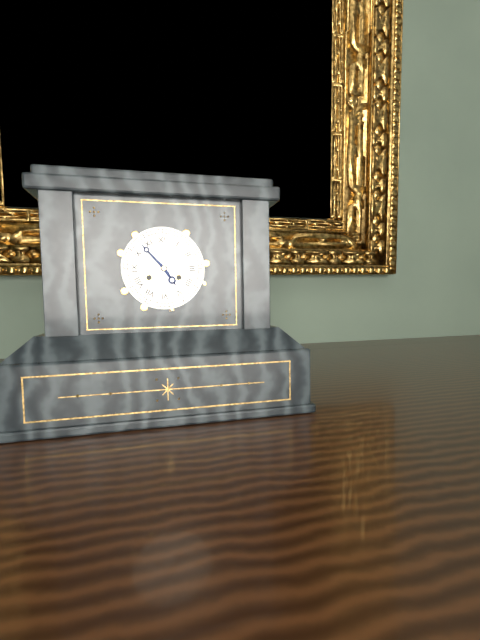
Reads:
{"hour": 4, "minute": 53}
